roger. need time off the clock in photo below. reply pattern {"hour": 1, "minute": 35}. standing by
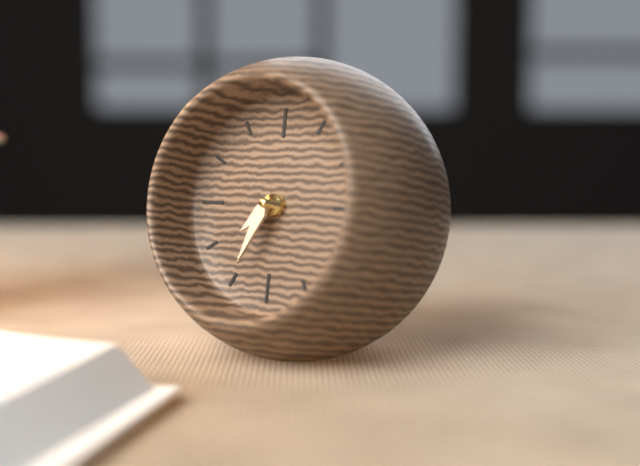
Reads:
{"hour": 7, "minute": 34}
